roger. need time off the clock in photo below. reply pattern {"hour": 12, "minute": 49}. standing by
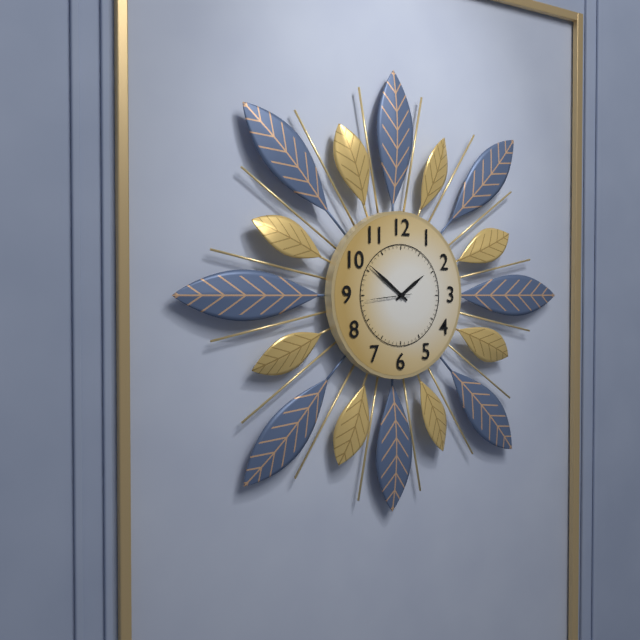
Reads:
{"hour": 1, "minute": 51}
